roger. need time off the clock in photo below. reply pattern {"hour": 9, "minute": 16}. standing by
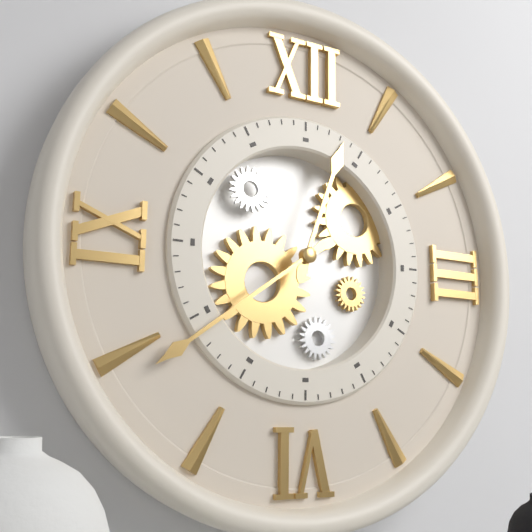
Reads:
{"hour": 12, "minute": 39}
